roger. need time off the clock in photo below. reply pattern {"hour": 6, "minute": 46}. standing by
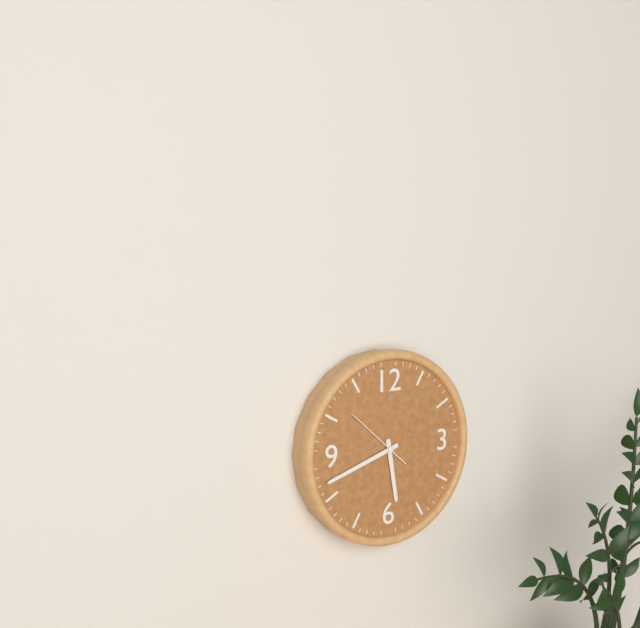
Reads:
{"hour": 5, "minute": 42}
